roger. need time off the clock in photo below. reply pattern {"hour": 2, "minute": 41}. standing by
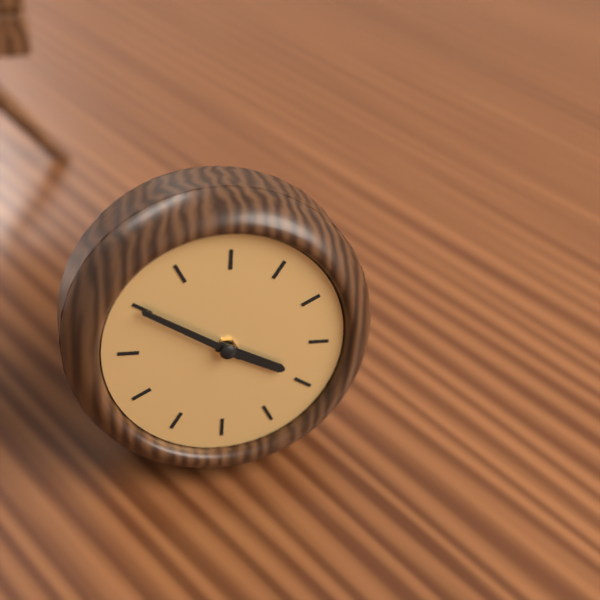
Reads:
{"hour": 3, "minute": 50}
